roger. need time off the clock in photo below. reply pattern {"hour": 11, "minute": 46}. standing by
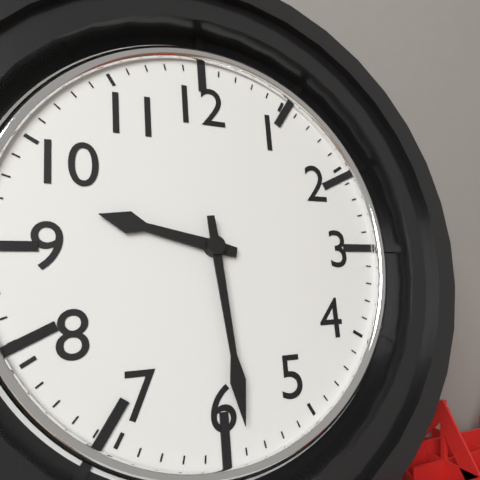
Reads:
{"hour": 9, "minute": 29}
